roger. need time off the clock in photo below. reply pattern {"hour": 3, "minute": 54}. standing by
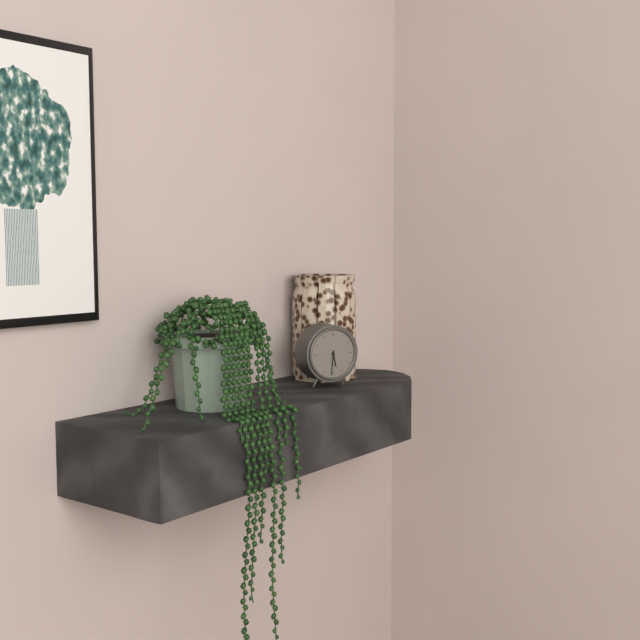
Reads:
{"hour": 5, "minute": 31}
